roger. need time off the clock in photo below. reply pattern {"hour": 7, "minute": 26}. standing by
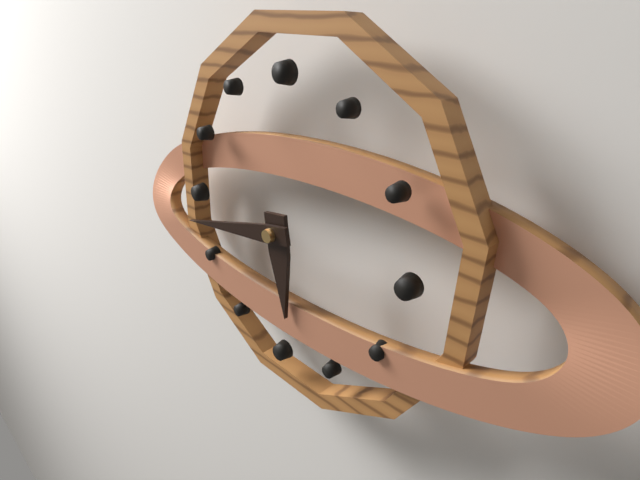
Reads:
{"hour": 5, "minute": 43}
